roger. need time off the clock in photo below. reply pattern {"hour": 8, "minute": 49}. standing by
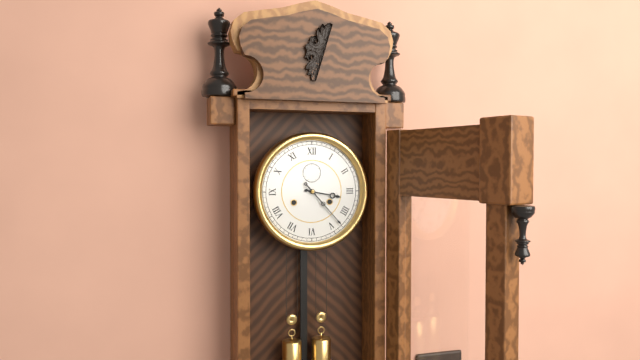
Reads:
{"hour": 3, "minute": 23}
